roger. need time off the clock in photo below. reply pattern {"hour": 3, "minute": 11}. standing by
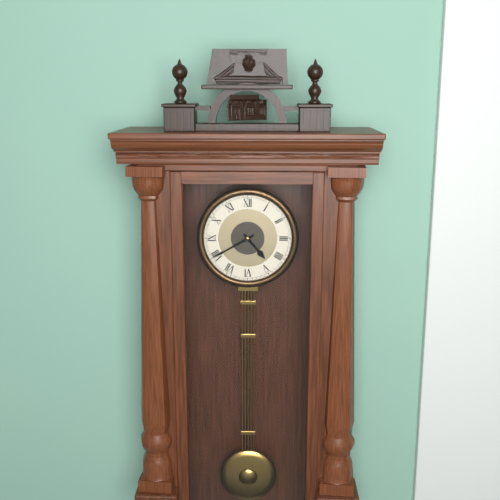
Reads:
{"hour": 4, "minute": 40}
